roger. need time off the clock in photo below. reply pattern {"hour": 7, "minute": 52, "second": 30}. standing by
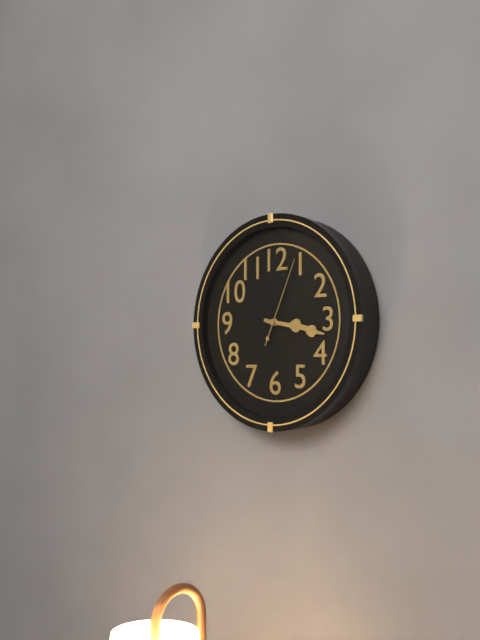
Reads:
{"hour": 3, "minute": 17, "second": 4}
